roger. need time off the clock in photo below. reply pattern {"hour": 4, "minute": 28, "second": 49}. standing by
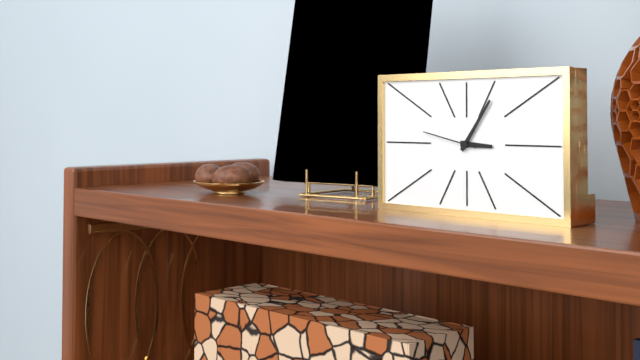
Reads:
{"hour": 3, "minute": 6, "second": 47}
